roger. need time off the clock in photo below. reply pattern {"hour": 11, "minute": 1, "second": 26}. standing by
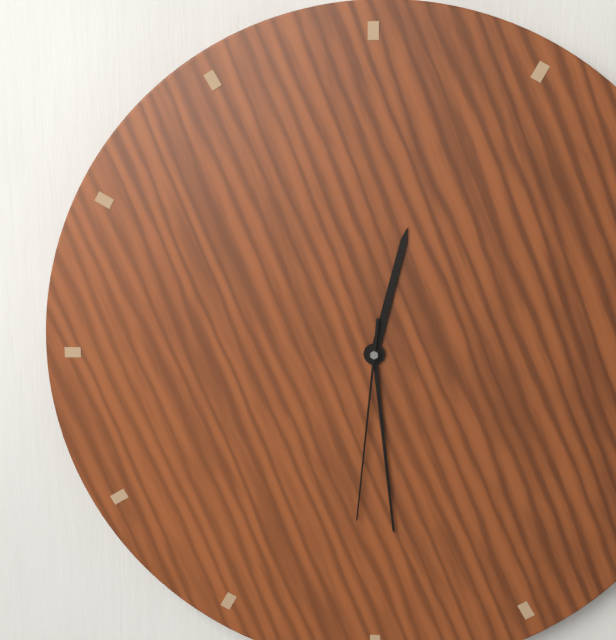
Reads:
{"hour": 12, "minute": 29, "second": 31}
